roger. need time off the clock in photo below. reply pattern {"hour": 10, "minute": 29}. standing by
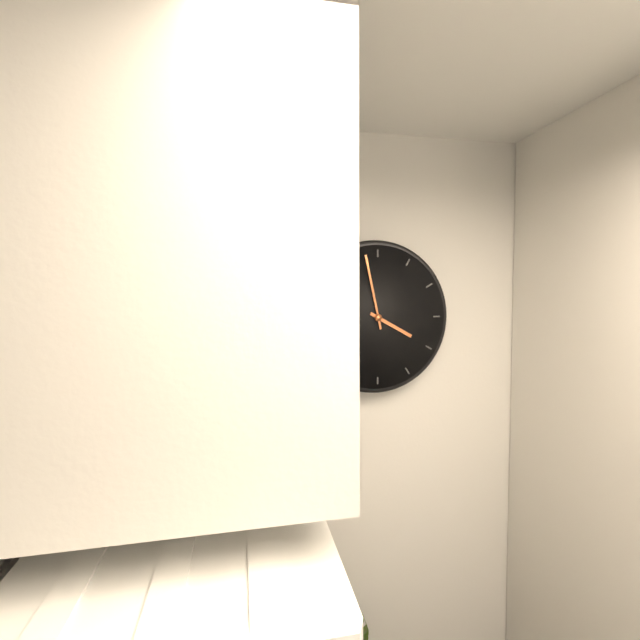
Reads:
{"hour": 3, "minute": 58}
